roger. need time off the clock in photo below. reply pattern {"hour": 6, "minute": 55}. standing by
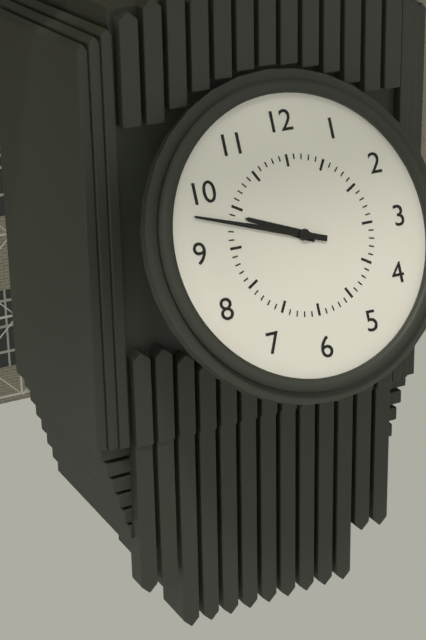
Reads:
{"hour": 9, "minute": 48}
